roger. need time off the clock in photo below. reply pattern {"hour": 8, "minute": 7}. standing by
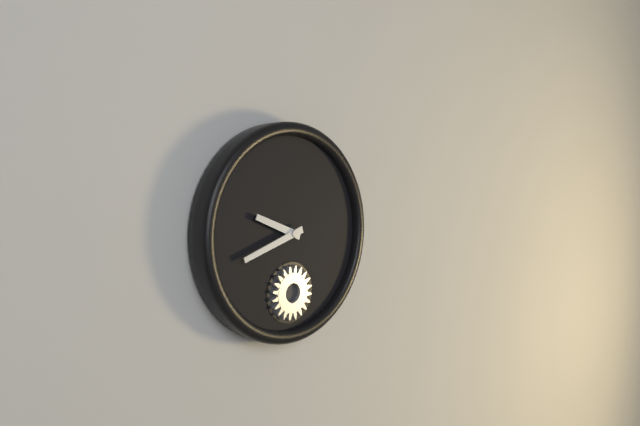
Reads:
{"hour": 9, "minute": 42}
